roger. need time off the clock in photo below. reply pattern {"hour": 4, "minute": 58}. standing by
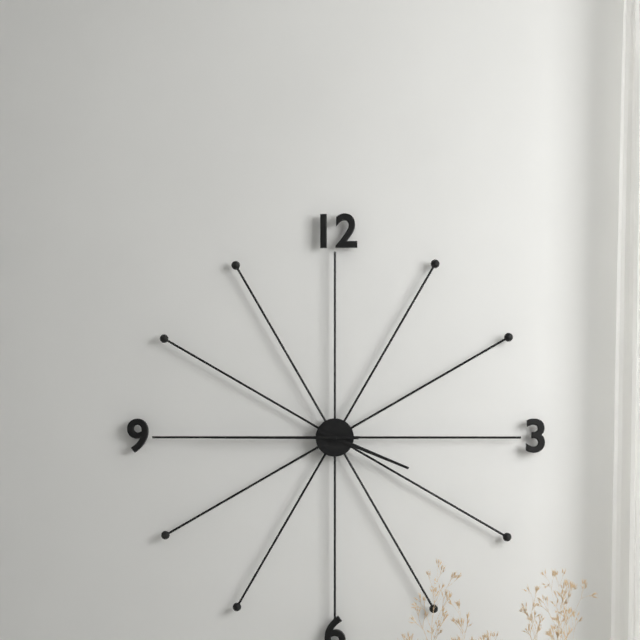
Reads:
{"hour": 3, "minute": 45}
